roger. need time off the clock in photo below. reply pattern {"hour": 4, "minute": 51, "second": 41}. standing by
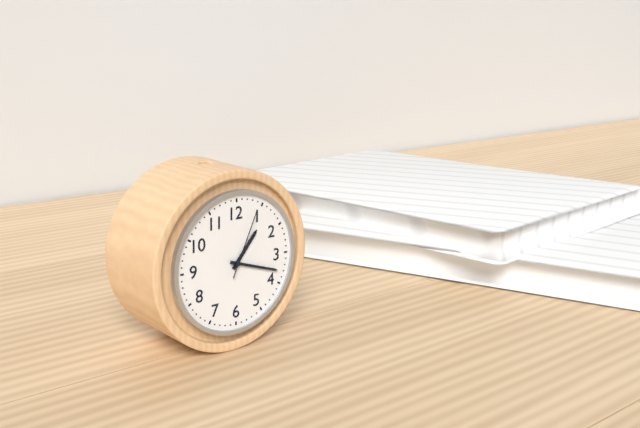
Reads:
{"hour": 1, "minute": 18, "second": 4}
